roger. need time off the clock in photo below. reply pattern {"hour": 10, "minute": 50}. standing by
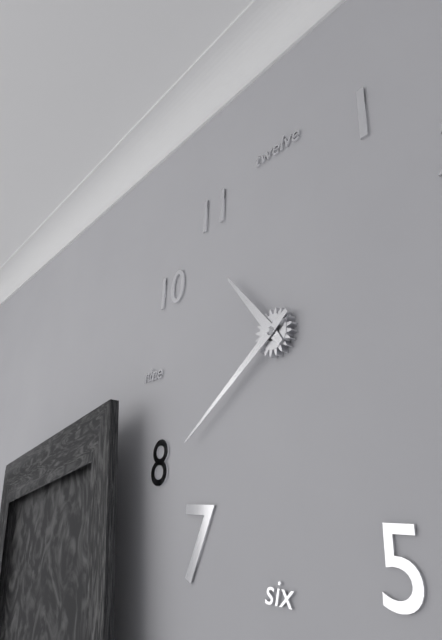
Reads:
{"hour": 10, "minute": 39}
